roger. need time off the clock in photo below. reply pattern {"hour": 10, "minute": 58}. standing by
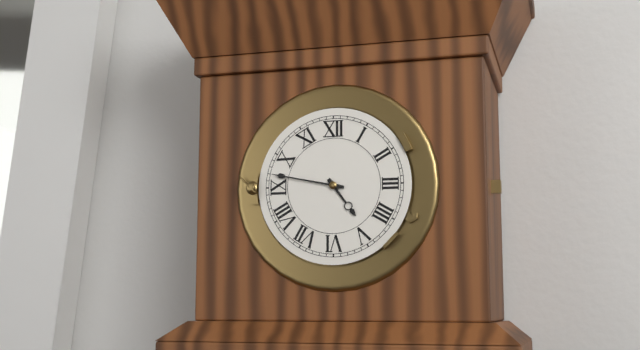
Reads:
{"hour": 4, "minute": 47}
